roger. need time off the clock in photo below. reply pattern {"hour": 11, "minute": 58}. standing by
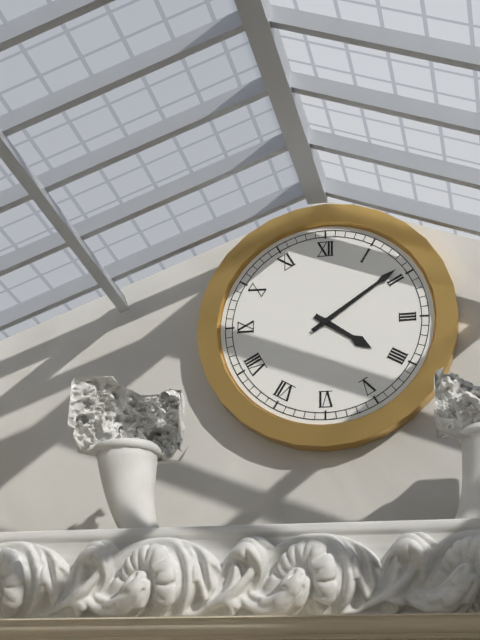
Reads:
{"hour": 4, "minute": 9}
